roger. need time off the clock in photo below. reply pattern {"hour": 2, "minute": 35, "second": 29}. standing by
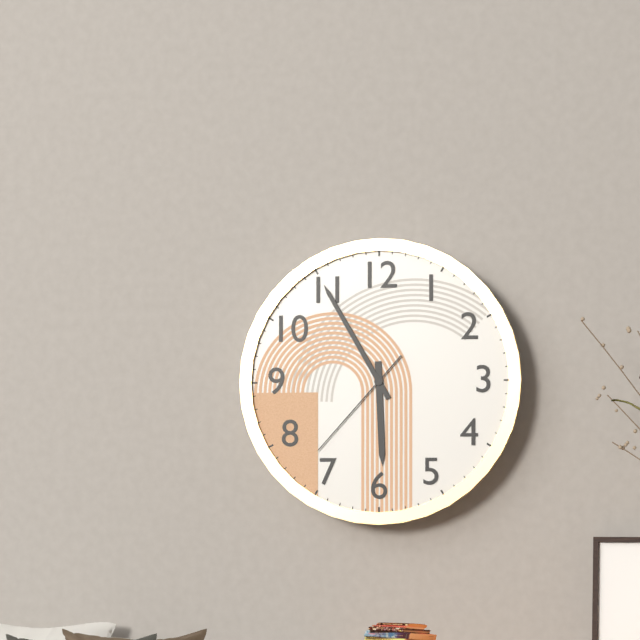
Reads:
{"hour": 5, "minute": 55, "second": 37}
